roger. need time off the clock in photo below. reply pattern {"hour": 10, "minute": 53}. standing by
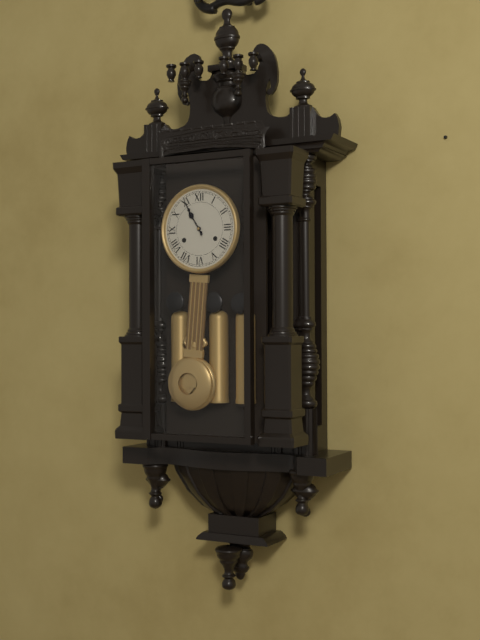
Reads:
{"hour": 10, "minute": 55}
